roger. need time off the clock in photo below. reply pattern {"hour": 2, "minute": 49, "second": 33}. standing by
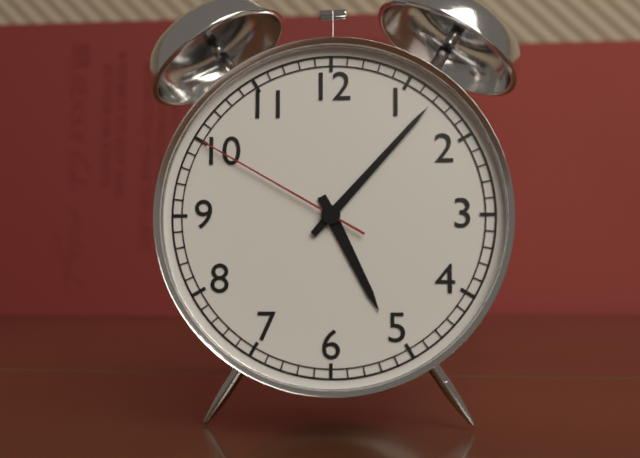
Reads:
{"hour": 5, "minute": 7, "second": 50}
